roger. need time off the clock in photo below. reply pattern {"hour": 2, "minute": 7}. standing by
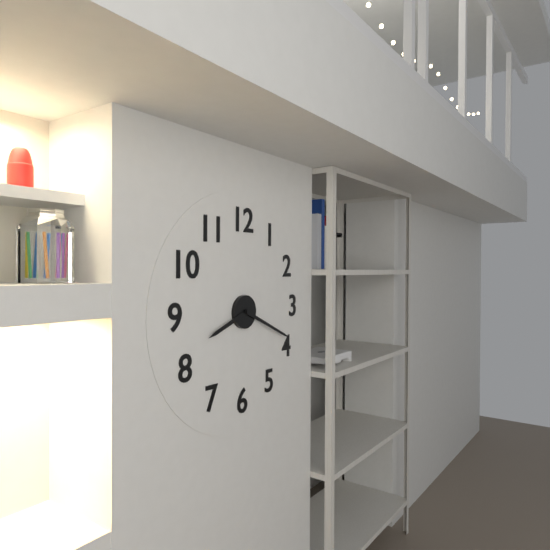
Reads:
{"hour": 8, "minute": 19}
